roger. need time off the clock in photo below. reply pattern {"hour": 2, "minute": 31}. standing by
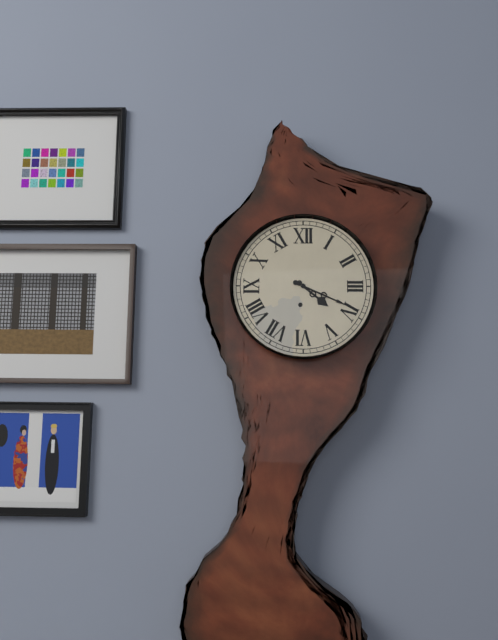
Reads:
{"hour": 4, "minute": 19}
